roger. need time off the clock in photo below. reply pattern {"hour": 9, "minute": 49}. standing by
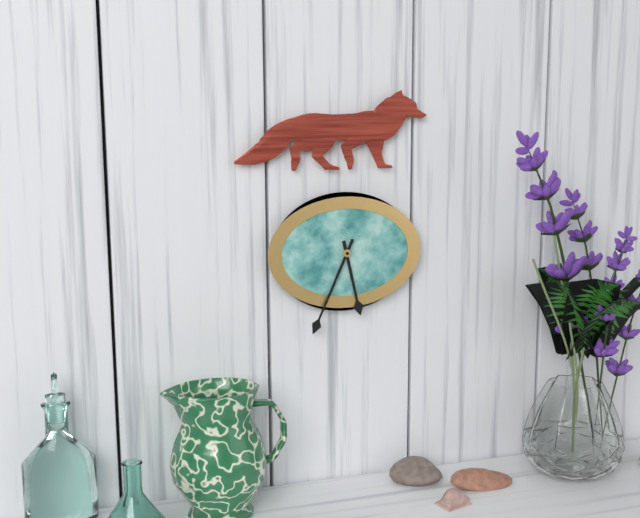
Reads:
{"hour": 5, "minute": 34}
